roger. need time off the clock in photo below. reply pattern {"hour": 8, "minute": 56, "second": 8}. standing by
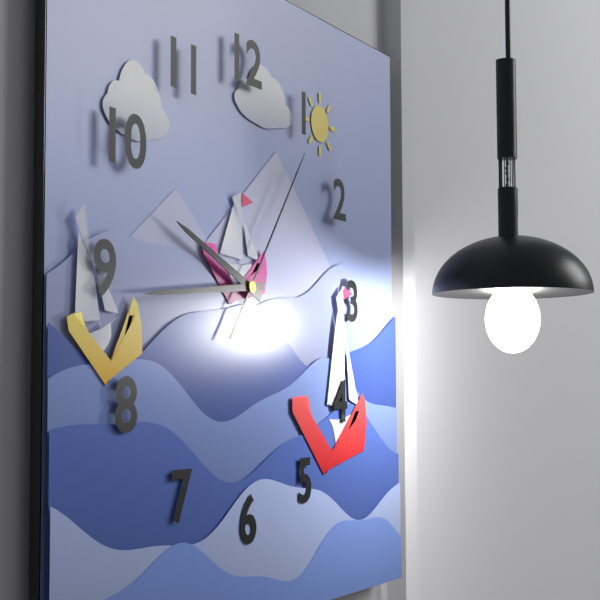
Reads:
{"hour": 9, "minute": 44, "second": 6}
